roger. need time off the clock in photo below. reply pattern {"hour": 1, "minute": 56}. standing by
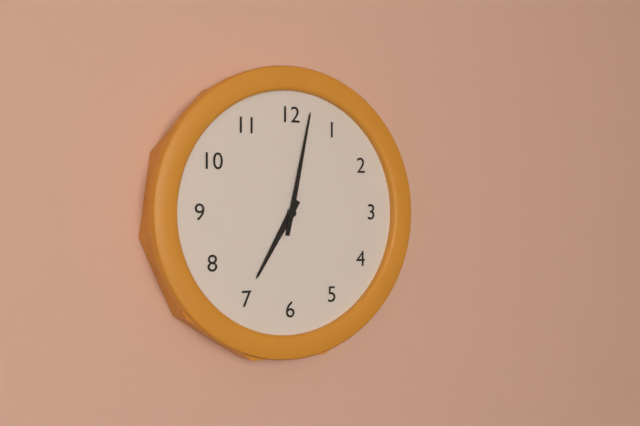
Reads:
{"hour": 7, "minute": 2}
